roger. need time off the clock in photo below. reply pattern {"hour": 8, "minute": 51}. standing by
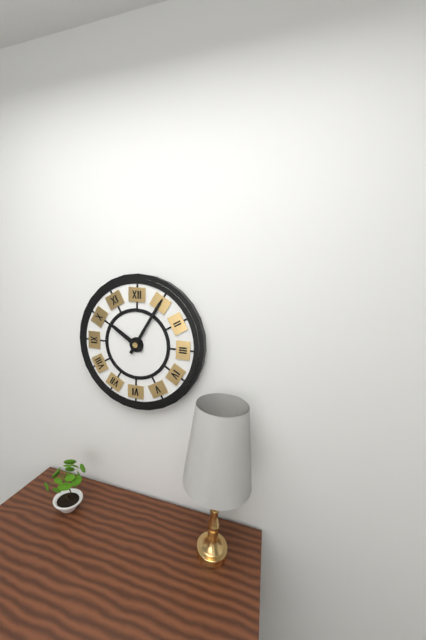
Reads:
{"hour": 10, "minute": 5}
